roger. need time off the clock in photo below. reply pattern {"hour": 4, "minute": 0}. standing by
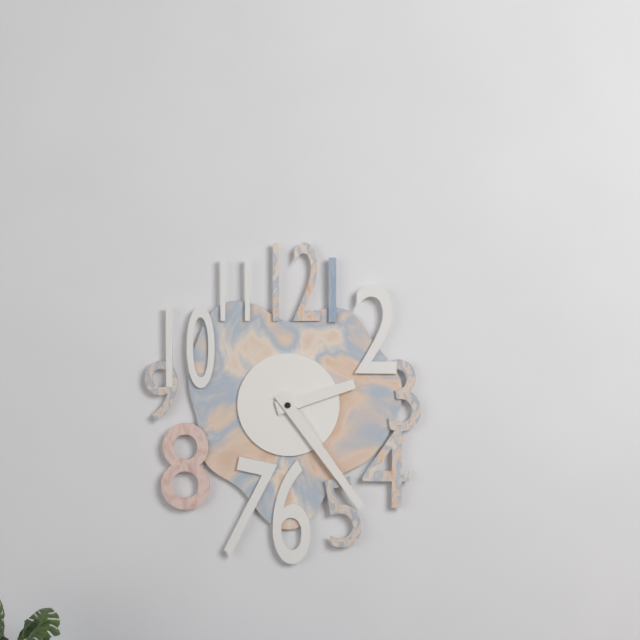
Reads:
{"hour": 2, "minute": 24}
